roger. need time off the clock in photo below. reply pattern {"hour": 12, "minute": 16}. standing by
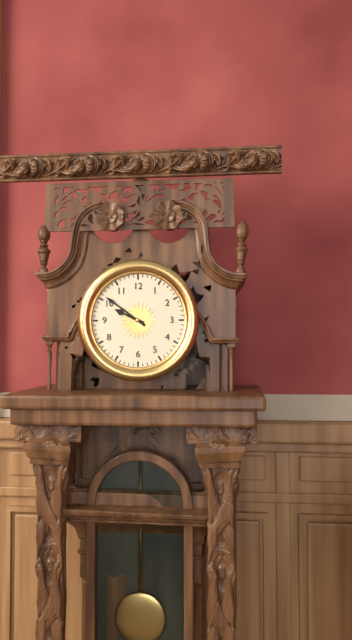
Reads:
{"hour": 9, "minute": 51}
